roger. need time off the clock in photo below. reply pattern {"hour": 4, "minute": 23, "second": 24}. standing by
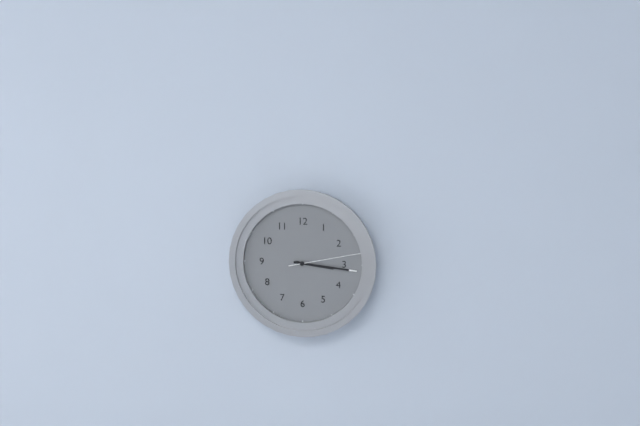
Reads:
{"hour": 3, "minute": 16, "second": 13}
